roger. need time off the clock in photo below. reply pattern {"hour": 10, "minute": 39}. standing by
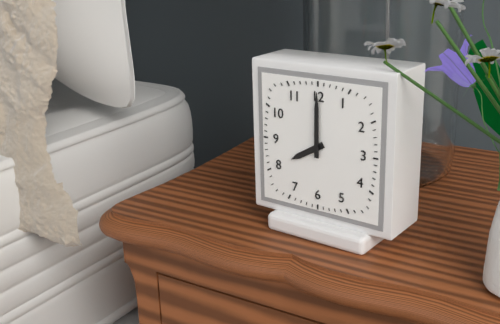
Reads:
{"hour": 8, "minute": 0}
